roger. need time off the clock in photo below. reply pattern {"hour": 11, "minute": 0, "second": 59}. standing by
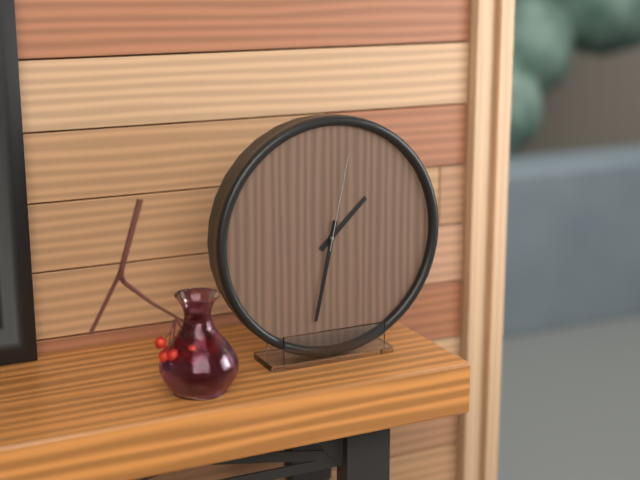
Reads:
{"hour": 1, "minute": 32, "second": 2}
